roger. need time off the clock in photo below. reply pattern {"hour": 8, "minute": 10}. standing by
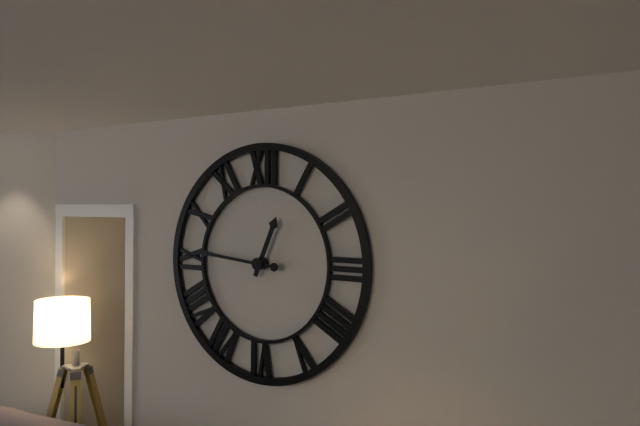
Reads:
{"hour": 12, "minute": 46}
